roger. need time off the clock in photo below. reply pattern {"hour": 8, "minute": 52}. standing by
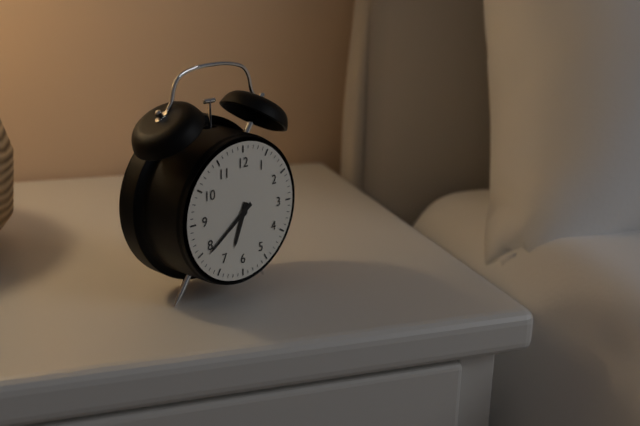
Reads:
{"hour": 6, "minute": 39}
